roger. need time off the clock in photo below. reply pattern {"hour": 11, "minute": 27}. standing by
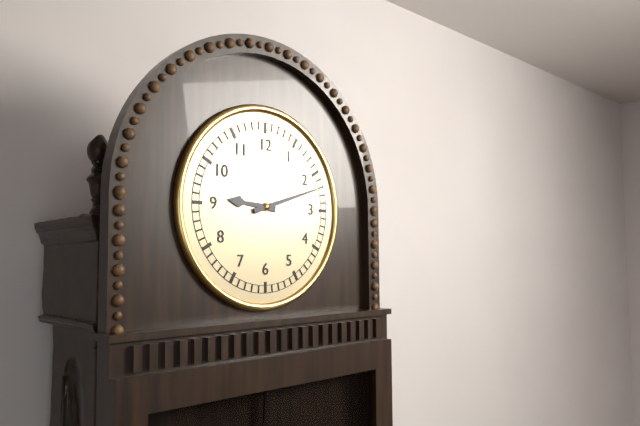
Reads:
{"hour": 9, "minute": 12}
